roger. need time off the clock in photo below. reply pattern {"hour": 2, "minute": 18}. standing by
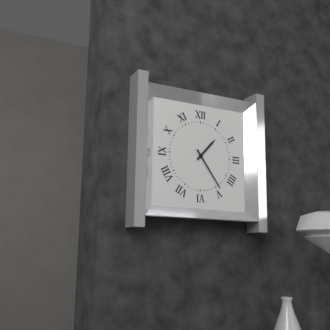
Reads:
{"hour": 1, "minute": 24}
